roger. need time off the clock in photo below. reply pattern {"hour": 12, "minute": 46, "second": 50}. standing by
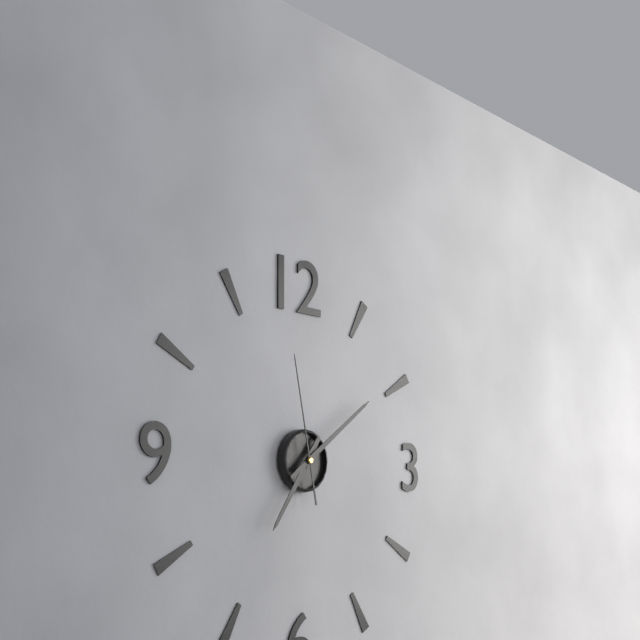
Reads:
{"hour": 7, "minute": 9, "second": 58}
